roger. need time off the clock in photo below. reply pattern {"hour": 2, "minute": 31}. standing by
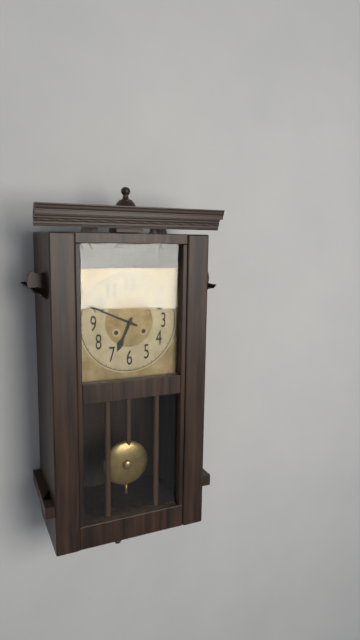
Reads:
{"hour": 6, "minute": 49}
